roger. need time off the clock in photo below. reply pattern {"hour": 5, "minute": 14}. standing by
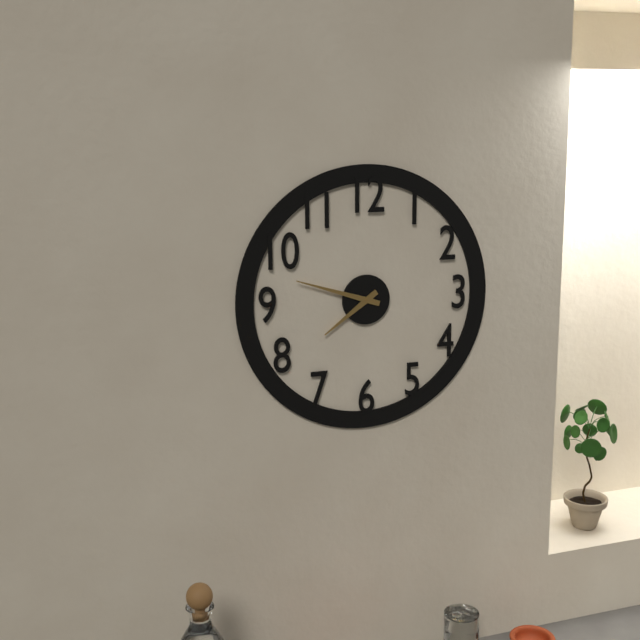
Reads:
{"hour": 7, "minute": 48}
